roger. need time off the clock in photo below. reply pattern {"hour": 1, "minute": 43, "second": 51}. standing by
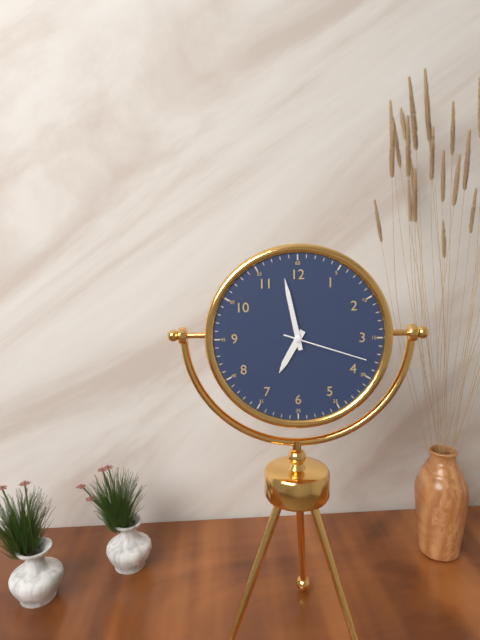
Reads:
{"hour": 6, "minute": 58, "second": 18}
